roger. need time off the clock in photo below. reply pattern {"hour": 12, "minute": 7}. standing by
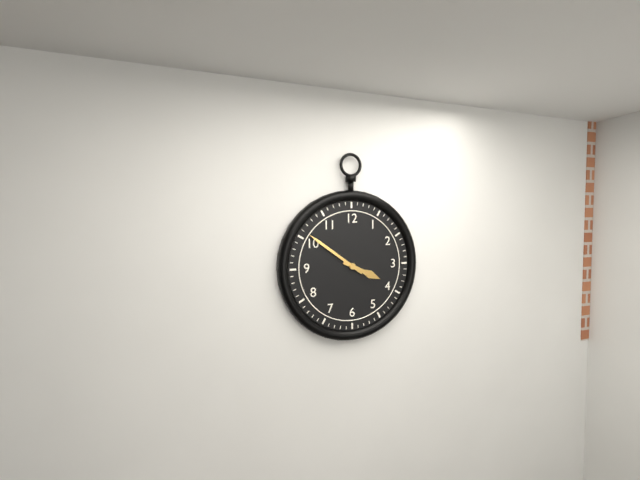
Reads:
{"hour": 3, "minute": 51}
